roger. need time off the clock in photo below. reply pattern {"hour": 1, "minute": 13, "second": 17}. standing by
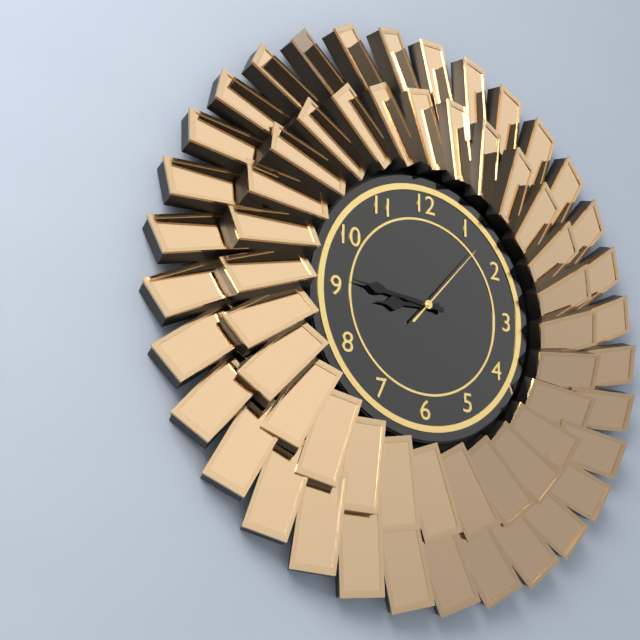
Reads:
{"hour": 8, "minute": 46, "second": 7}
